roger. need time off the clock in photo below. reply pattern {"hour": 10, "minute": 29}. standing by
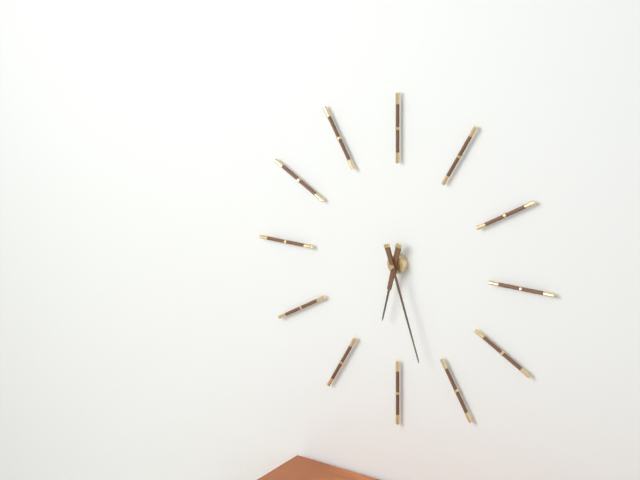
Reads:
{"hour": 6, "minute": 27}
